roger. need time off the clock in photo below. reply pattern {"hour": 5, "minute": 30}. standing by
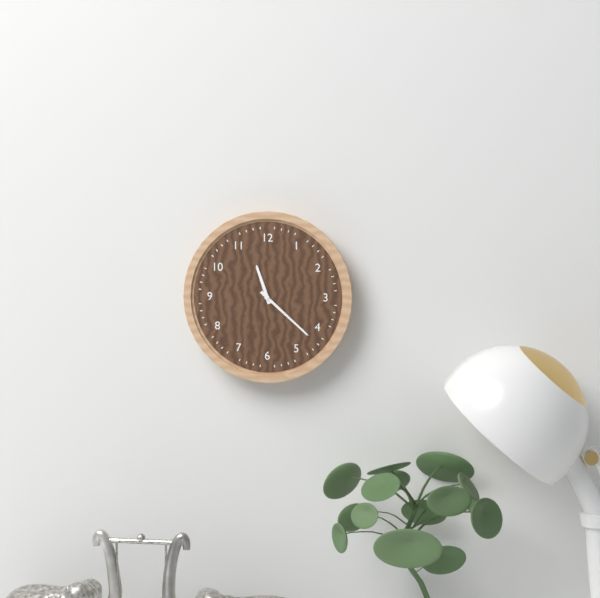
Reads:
{"hour": 11, "minute": 22}
